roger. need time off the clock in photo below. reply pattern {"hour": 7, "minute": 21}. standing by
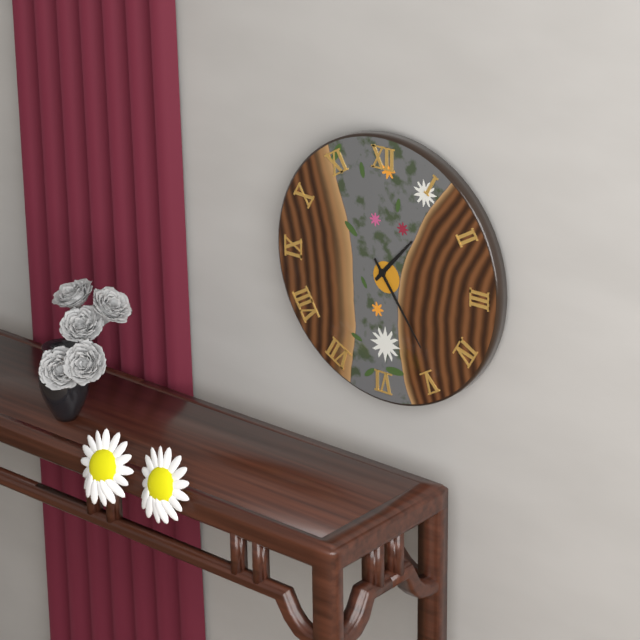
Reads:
{"hour": 1, "minute": 24}
